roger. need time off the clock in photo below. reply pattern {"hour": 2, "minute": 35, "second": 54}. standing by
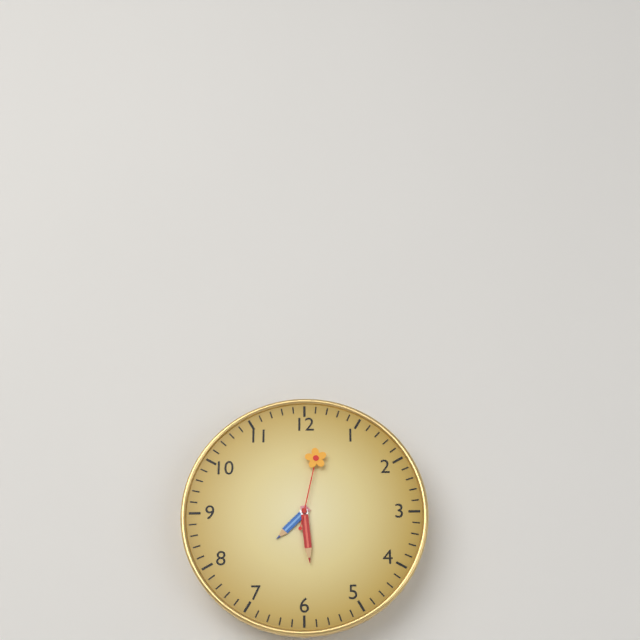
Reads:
{"hour": 7, "minute": 29, "second": 2}
